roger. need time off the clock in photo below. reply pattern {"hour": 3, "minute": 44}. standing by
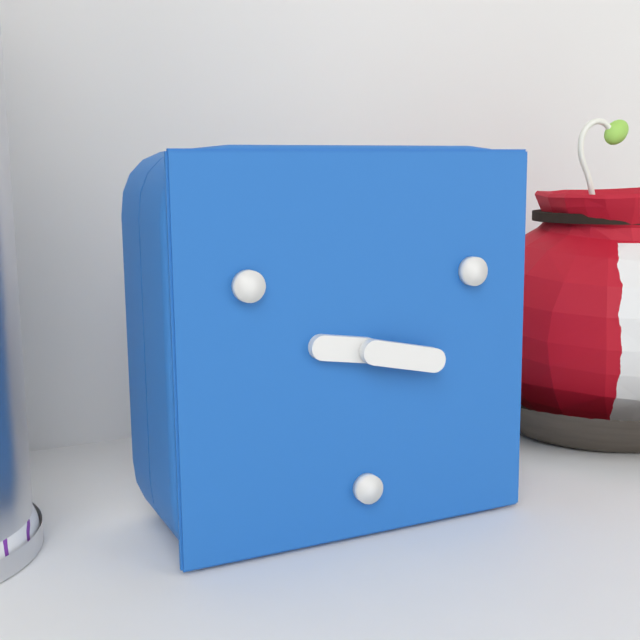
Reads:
{"hour": 9, "minute": 17}
